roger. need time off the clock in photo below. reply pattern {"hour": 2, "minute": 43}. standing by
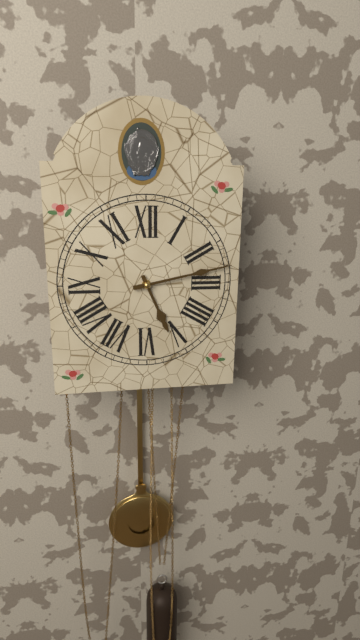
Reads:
{"hour": 5, "minute": 13}
